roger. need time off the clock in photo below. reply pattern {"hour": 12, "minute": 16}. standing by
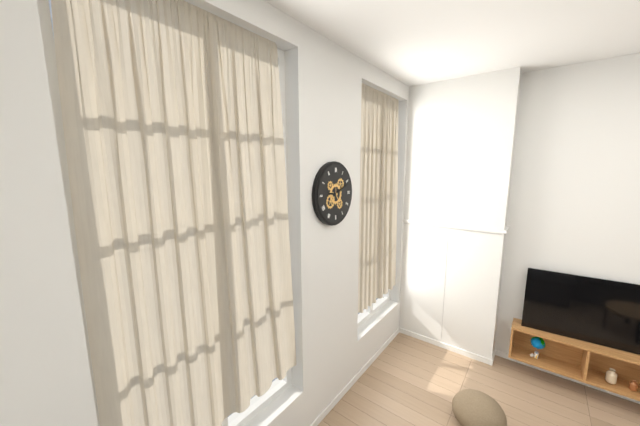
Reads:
{"hour": 9, "minute": 11}
